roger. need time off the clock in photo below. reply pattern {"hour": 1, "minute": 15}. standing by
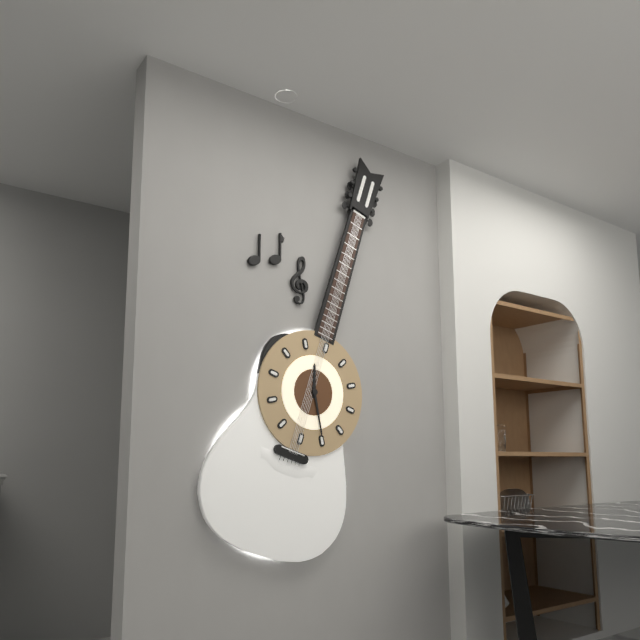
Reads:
{"hour": 11, "minute": 25}
